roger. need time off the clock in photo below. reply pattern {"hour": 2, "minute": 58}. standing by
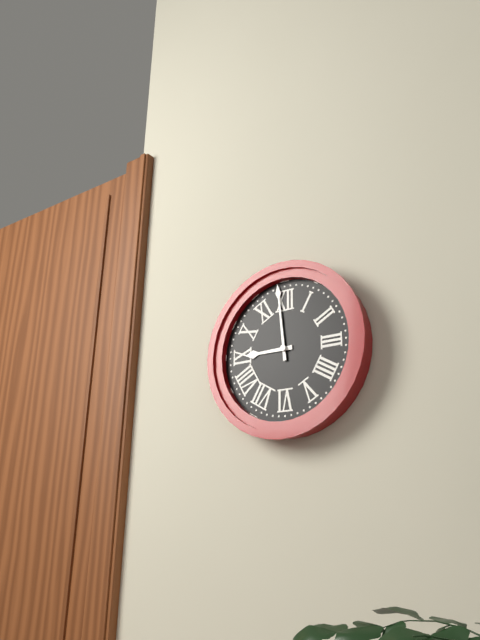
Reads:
{"hour": 8, "minute": 59}
